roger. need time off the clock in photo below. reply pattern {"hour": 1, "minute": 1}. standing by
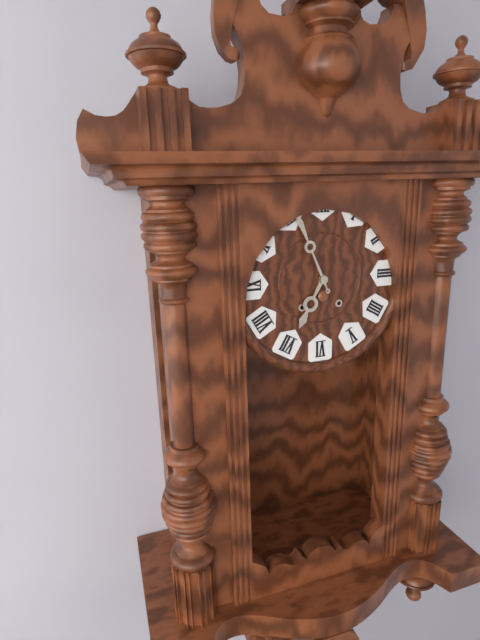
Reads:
{"hour": 6, "minute": 56}
